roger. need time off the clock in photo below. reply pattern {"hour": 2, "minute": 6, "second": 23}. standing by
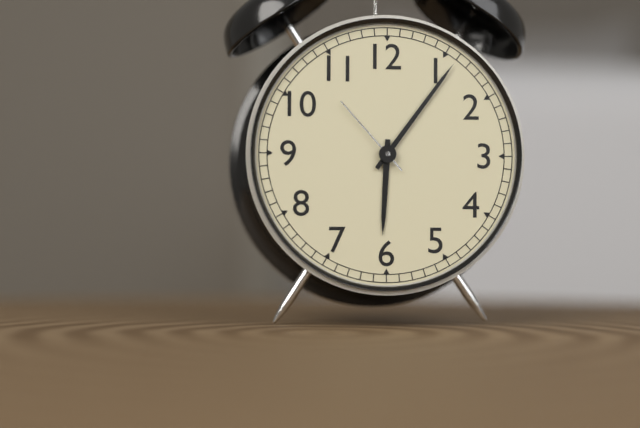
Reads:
{"hour": 6, "minute": 6, "second": 53}
